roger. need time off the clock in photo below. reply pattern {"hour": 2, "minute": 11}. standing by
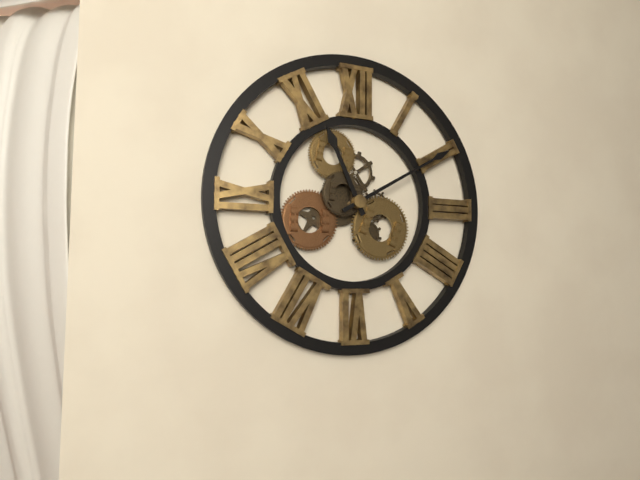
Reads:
{"hour": 11, "minute": 10}
